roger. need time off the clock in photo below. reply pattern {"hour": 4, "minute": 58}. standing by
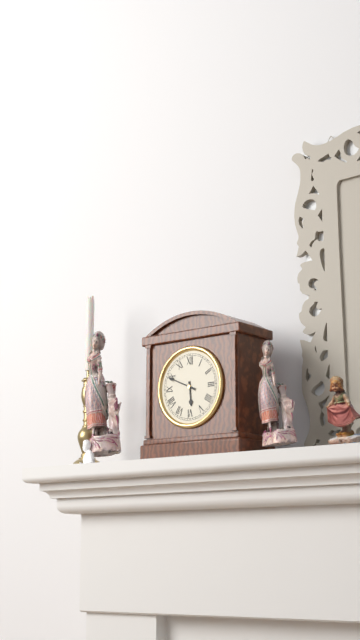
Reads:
{"hour": 5, "minute": 49}
